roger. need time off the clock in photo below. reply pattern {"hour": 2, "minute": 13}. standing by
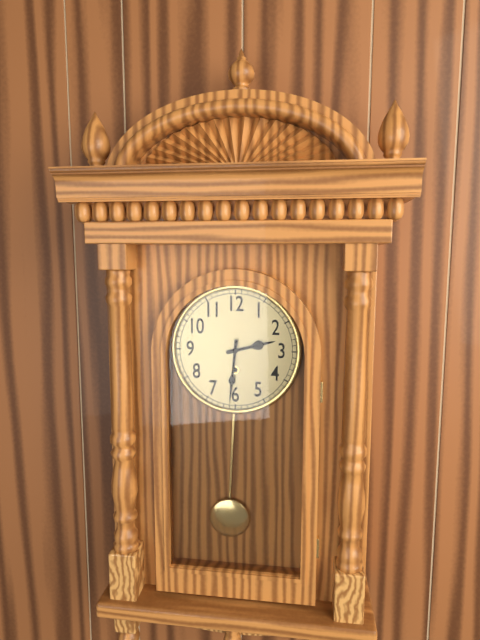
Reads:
{"hour": 2, "minute": 31}
